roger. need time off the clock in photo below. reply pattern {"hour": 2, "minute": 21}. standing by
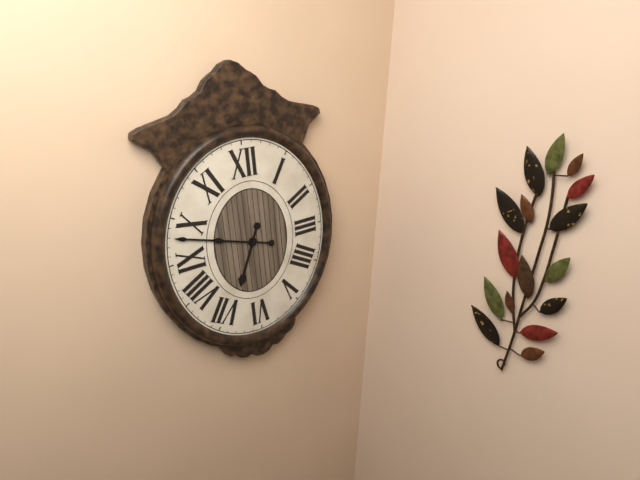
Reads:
{"hour": 6, "minute": 48}
